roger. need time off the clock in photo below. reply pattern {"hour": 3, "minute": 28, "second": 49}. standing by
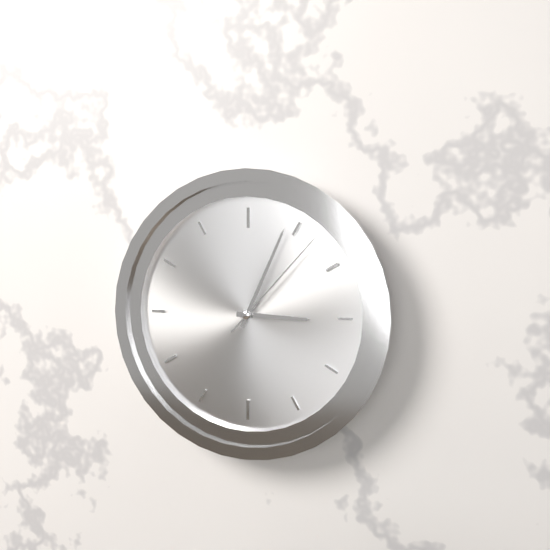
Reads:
{"hour": 3, "minute": 4, "second": 7}
